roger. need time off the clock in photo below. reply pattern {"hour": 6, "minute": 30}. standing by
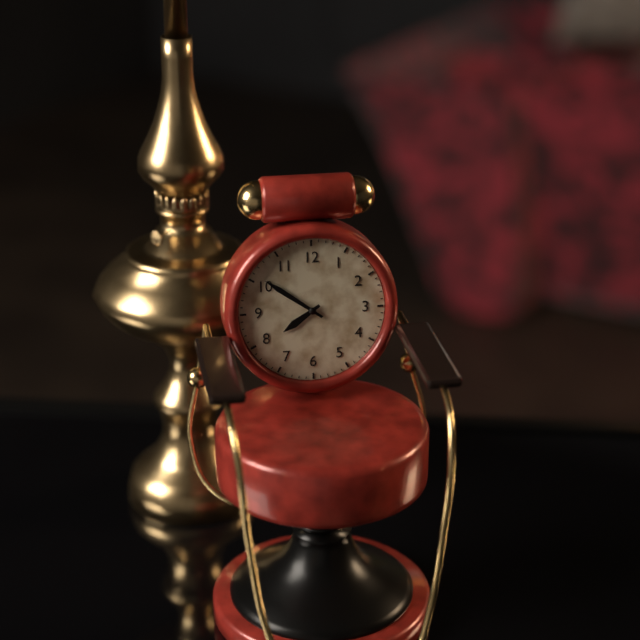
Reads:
{"hour": 7, "minute": 51}
